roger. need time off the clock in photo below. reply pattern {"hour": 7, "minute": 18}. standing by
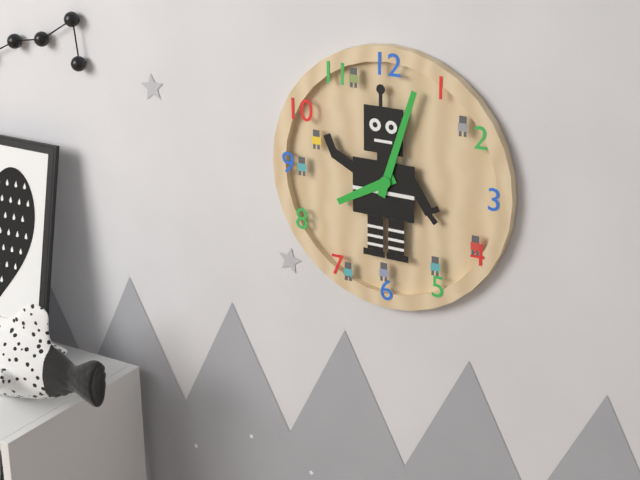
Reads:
{"hour": 8, "minute": 3}
